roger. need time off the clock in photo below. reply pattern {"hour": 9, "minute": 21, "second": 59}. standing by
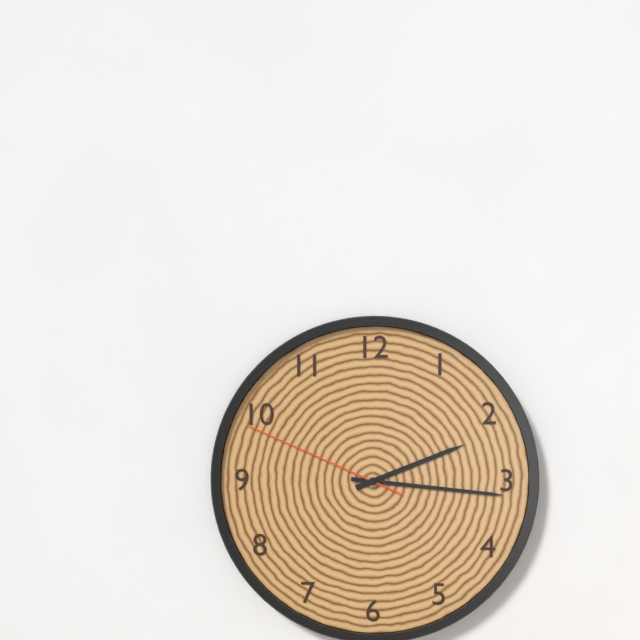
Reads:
{"hour": 2, "minute": 16, "second": 49}
